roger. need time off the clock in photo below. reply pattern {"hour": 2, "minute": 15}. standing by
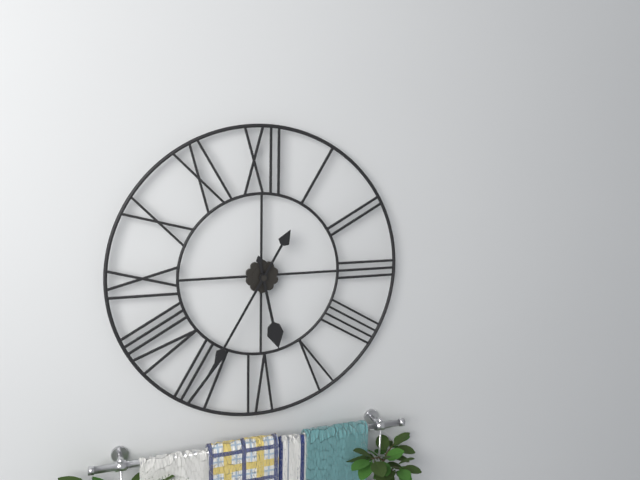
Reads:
{"hour": 5, "minute": 35}
